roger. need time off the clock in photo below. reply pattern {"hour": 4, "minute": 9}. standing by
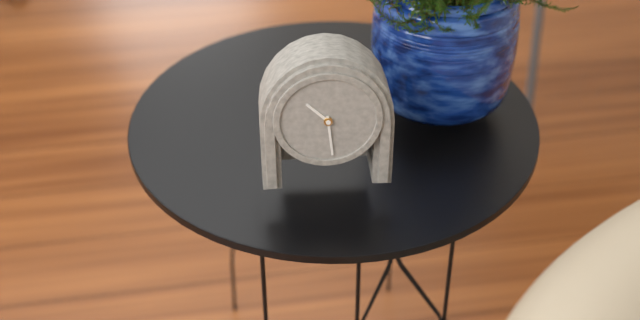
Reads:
{"hour": 10, "minute": 29}
